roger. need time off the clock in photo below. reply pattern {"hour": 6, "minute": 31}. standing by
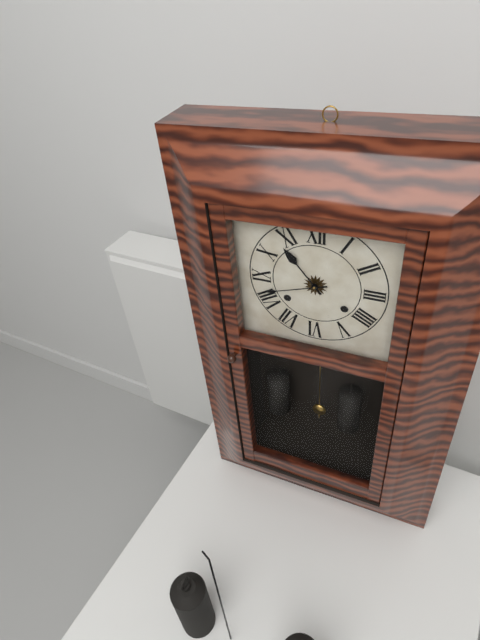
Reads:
{"hour": 10, "minute": 42}
